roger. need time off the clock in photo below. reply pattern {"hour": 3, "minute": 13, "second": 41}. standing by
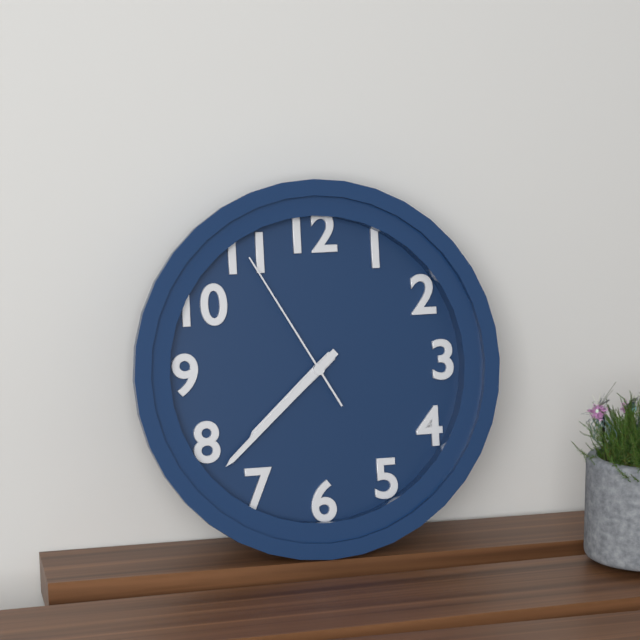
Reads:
{"hour": 7, "minute": 38, "second": 55}
